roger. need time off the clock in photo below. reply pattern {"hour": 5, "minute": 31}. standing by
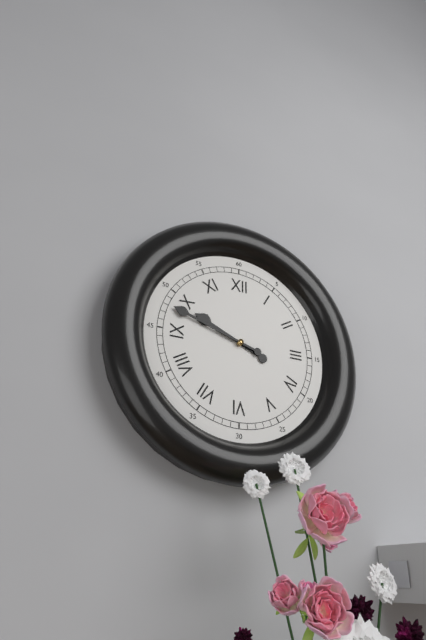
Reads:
{"hour": 9, "minute": 48}
